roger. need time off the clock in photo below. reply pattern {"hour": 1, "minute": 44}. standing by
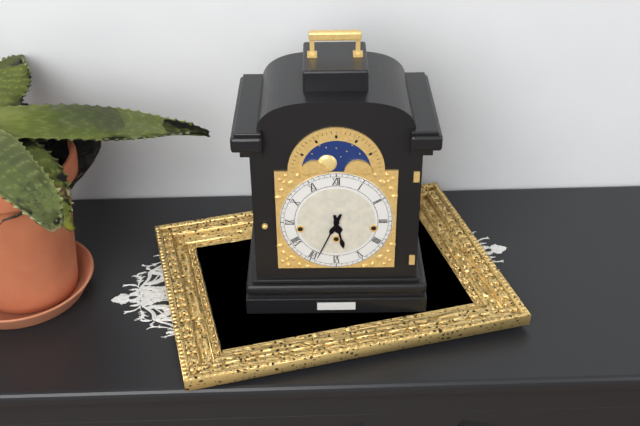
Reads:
{"hour": 5, "minute": 34}
